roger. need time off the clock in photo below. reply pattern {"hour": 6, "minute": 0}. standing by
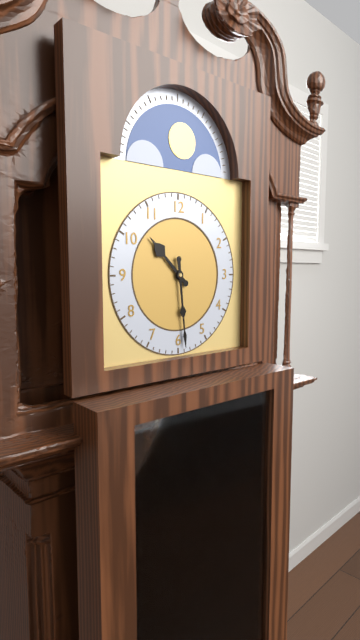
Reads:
{"hour": 10, "minute": 29}
